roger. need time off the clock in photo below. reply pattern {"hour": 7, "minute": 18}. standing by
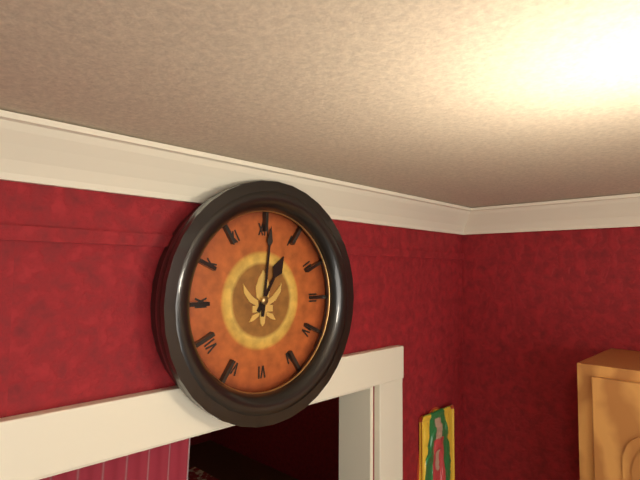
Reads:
{"hour": 1, "minute": 1}
